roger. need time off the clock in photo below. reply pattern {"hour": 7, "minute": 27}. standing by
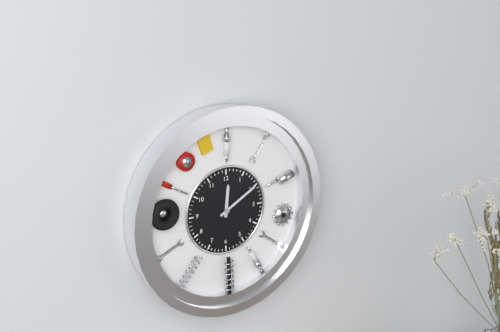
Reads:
{"hour": 12, "minute": 10}
